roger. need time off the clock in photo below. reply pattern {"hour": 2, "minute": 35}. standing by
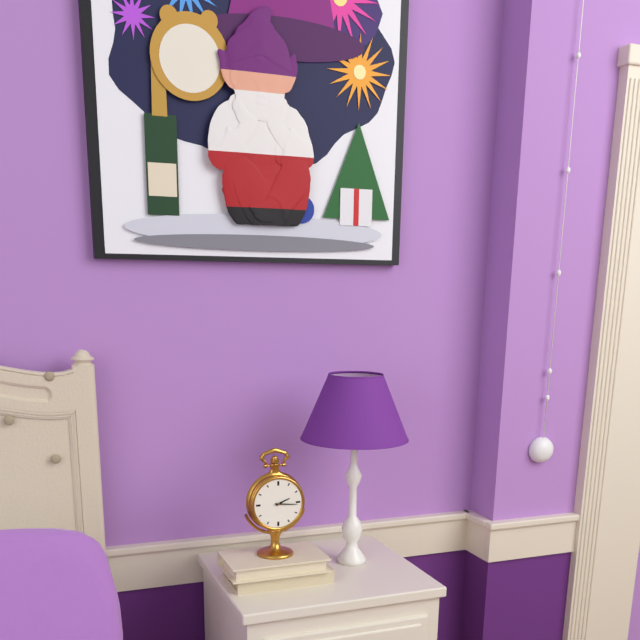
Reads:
{"hour": 2, "minute": 16}
